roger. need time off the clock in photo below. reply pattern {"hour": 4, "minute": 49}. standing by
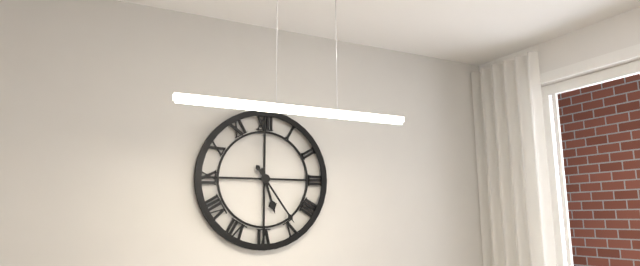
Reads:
{"hour": 5, "minute": 24}
